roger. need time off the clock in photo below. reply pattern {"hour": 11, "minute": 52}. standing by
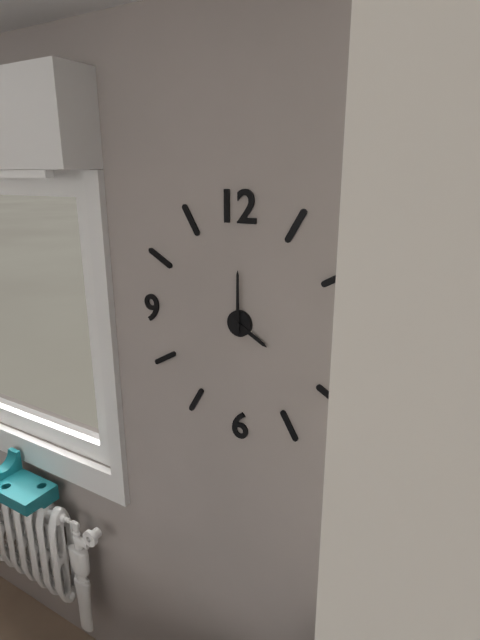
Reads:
{"hour": 4, "minute": 0}
